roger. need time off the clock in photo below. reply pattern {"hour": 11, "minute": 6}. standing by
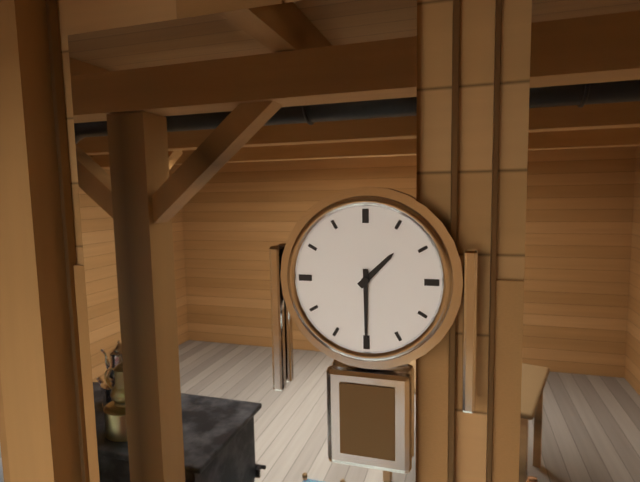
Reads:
{"hour": 1, "minute": 30}
